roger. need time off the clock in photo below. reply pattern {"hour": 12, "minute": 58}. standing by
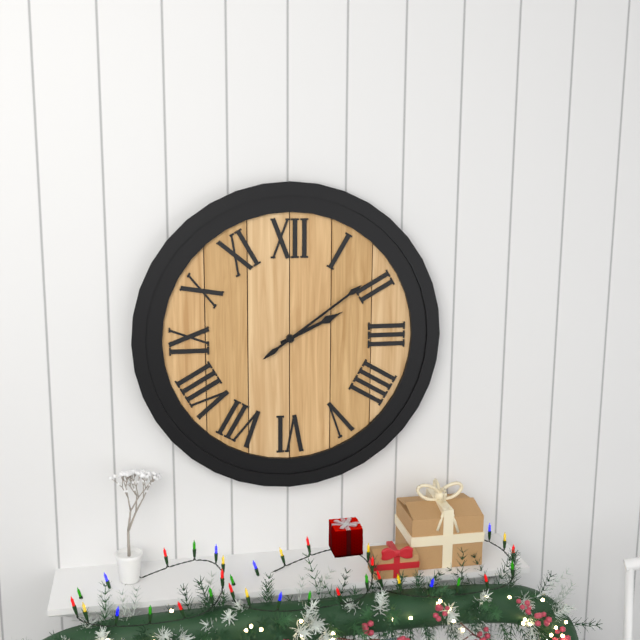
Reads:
{"hour": 2, "minute": 9}
